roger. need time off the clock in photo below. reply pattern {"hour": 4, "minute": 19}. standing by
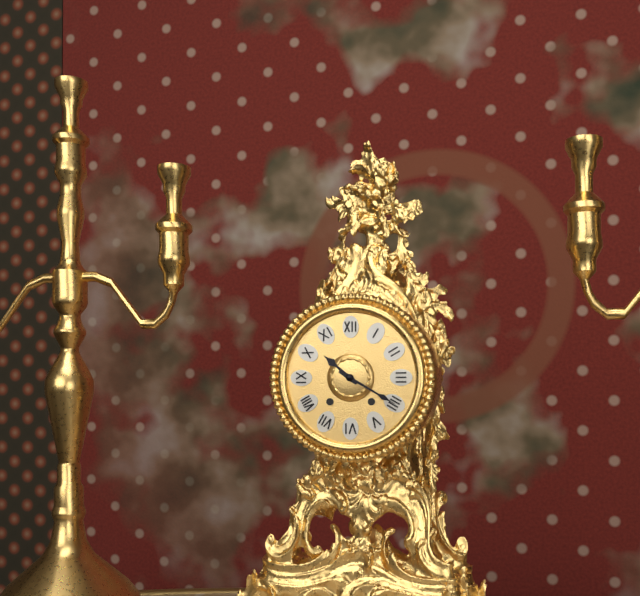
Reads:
{"hour": 10, "minute": 20}
